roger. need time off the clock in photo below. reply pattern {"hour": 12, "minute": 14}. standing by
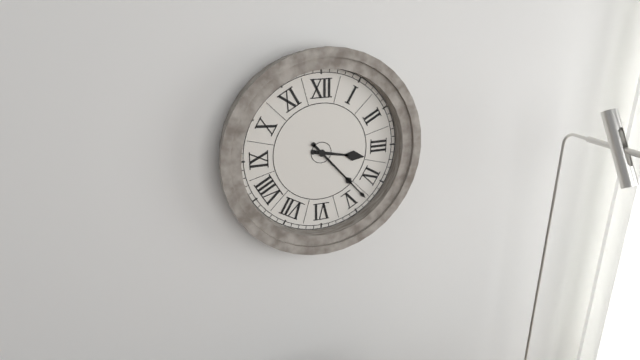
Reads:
{"hour": 3, "minute": 23}
